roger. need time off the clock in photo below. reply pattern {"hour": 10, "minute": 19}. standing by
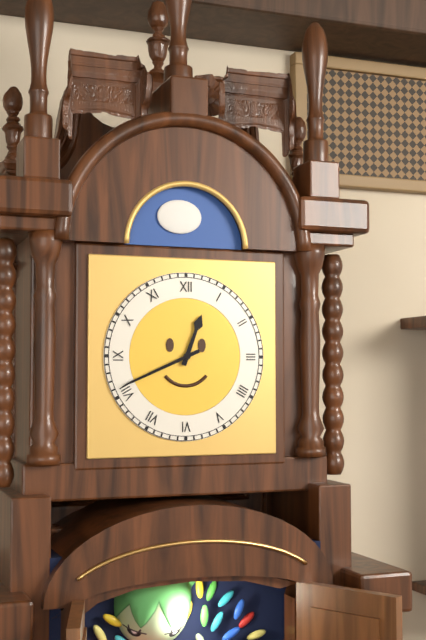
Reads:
{"hour": 12, "minute": 41}
